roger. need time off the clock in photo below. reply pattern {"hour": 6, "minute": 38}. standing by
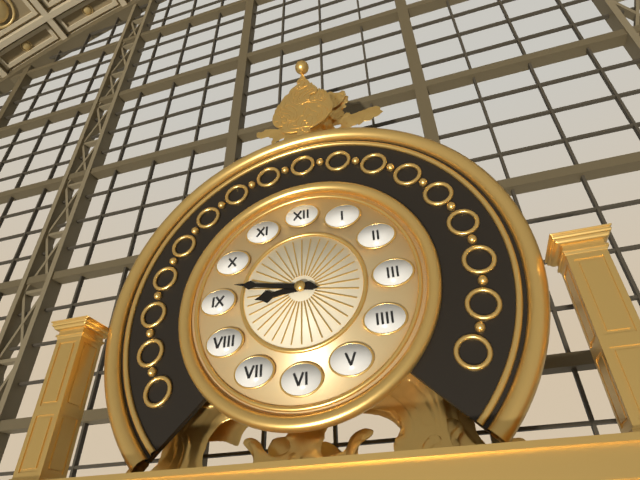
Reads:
{"hour": 8, "minute": 47}
